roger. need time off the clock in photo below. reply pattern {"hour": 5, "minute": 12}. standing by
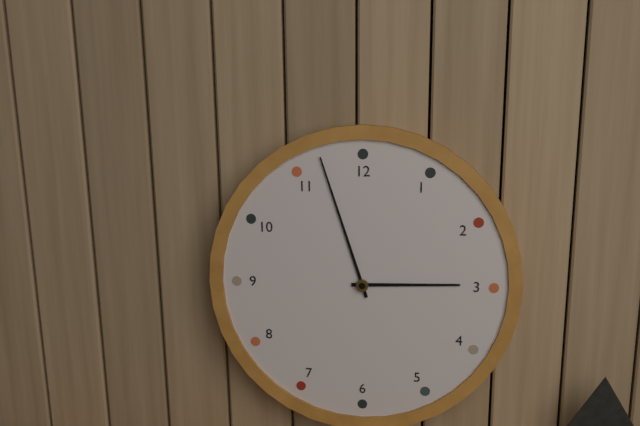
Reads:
{"hour": 2, "minute": 57}
